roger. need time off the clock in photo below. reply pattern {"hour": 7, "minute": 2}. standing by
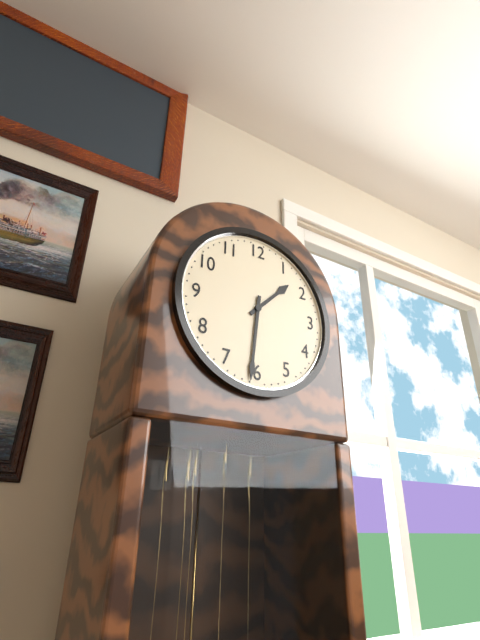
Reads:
{"hour": 1, "minute": 31}
